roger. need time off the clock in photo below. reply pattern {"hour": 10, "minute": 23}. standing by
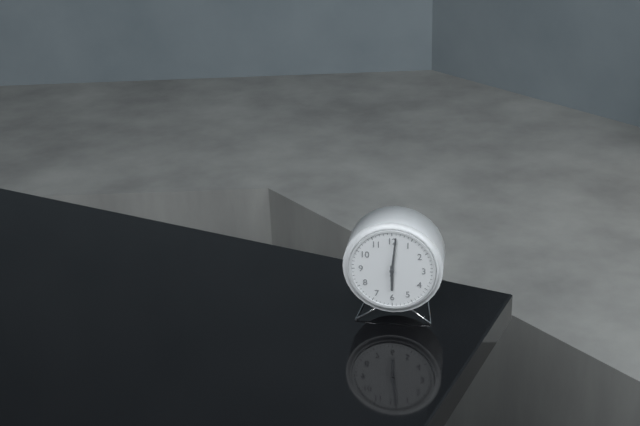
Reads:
{"hour": 6, "minute": 1}
